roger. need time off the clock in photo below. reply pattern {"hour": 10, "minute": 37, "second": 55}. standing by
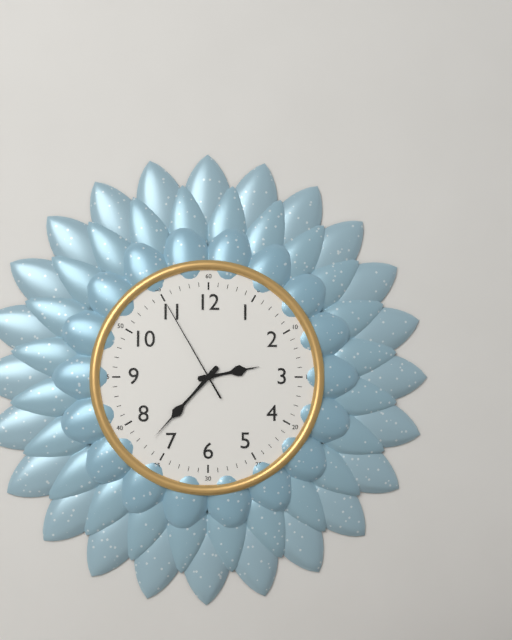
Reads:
{"hour": 2, "minute": 37, "second": 55}
